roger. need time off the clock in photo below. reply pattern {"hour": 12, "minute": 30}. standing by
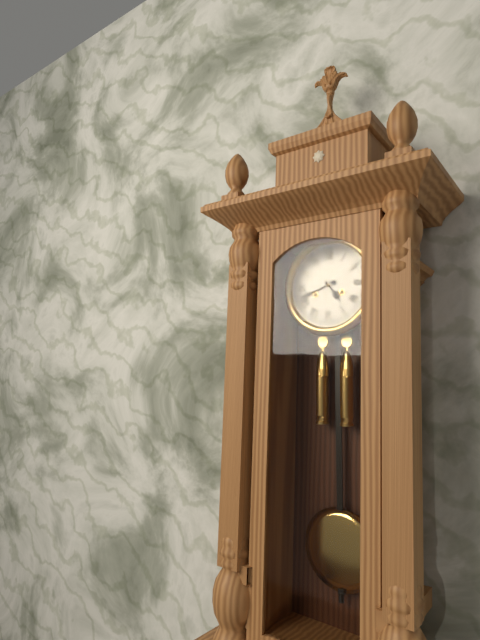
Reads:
{"hour": 4, "minute": 42}
